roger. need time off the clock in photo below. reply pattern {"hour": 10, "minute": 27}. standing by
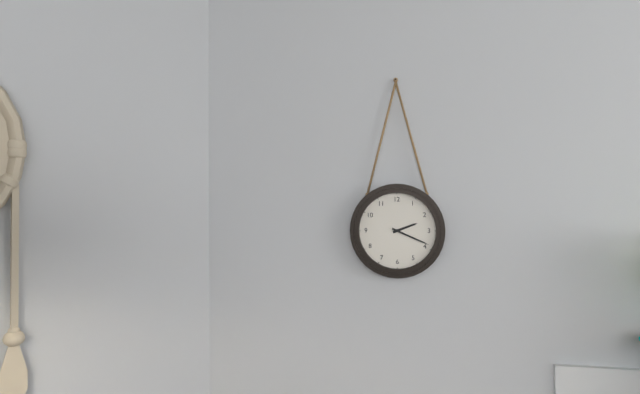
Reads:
{"hour": 2, "minute": 19}
